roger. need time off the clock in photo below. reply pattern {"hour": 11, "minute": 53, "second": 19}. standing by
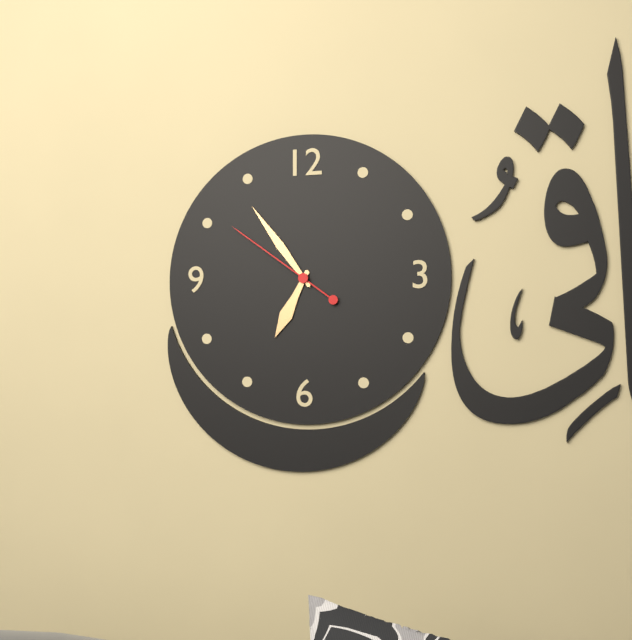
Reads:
{"hour": 6, "minute": 54, "second": 51}
